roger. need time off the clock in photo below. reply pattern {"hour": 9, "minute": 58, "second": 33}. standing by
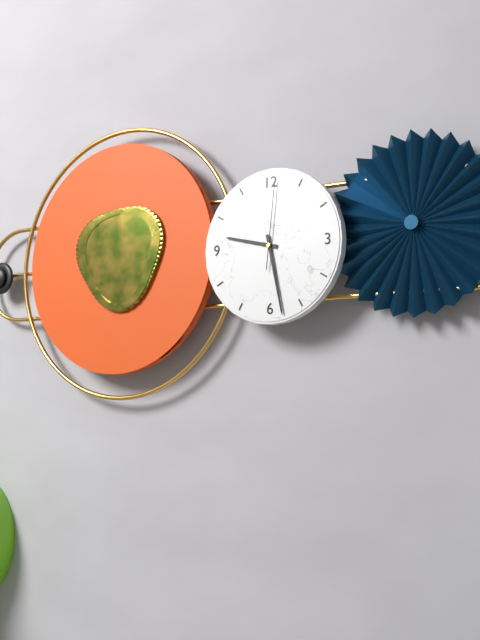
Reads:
{"hour": 9, "minute": 28, "second": 1}
